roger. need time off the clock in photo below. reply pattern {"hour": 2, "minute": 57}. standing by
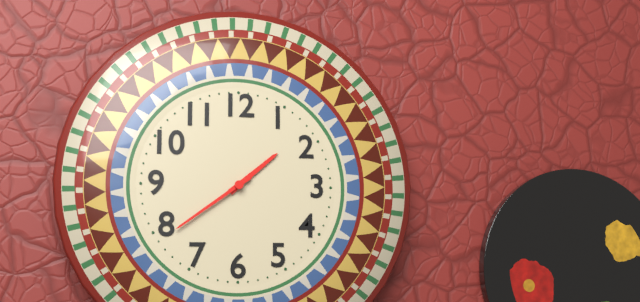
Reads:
{"hour": 1, "minute": 39}
